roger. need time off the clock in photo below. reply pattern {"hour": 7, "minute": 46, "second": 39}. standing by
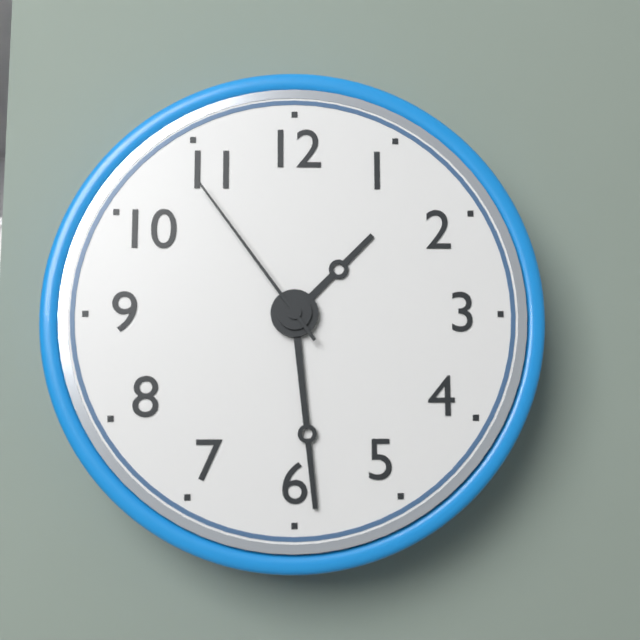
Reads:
{"hour": 1, "minute": 29, "second": 54}
